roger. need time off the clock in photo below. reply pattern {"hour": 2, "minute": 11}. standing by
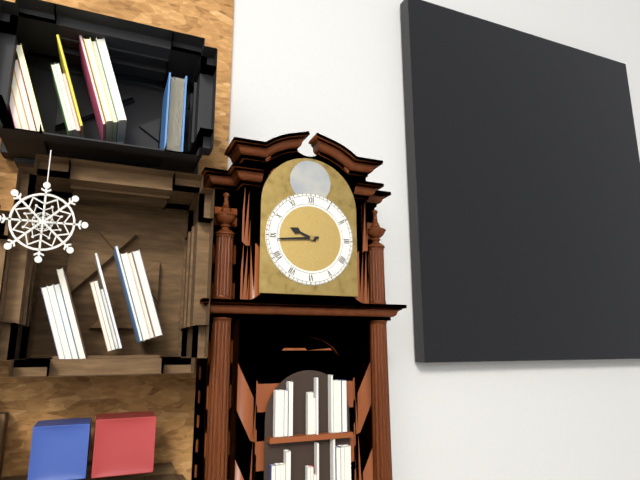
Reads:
{"hour": 9, "minute": 44}
